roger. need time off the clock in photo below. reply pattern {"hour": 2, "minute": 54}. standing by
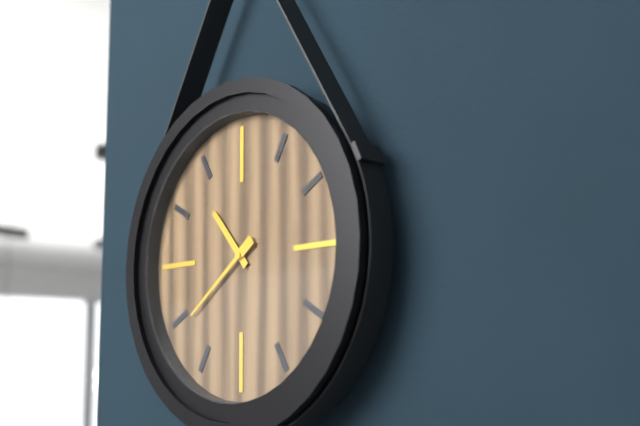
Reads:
{"hour": 10, "minute": 39}
